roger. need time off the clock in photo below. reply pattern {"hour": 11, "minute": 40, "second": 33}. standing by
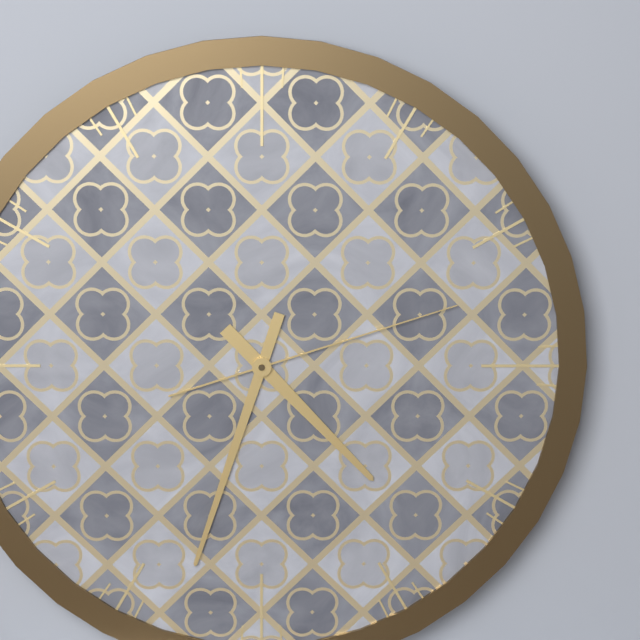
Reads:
{"hour": 4, "minute": 33, "second": 12}
